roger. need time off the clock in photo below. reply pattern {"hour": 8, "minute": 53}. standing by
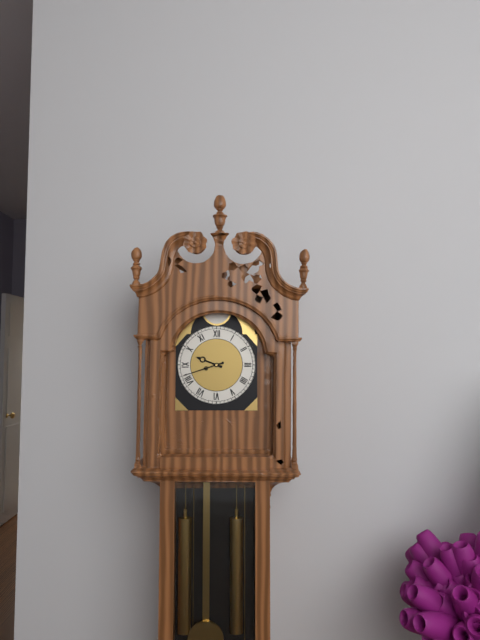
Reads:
{"hour": 9, "minute": 42}
